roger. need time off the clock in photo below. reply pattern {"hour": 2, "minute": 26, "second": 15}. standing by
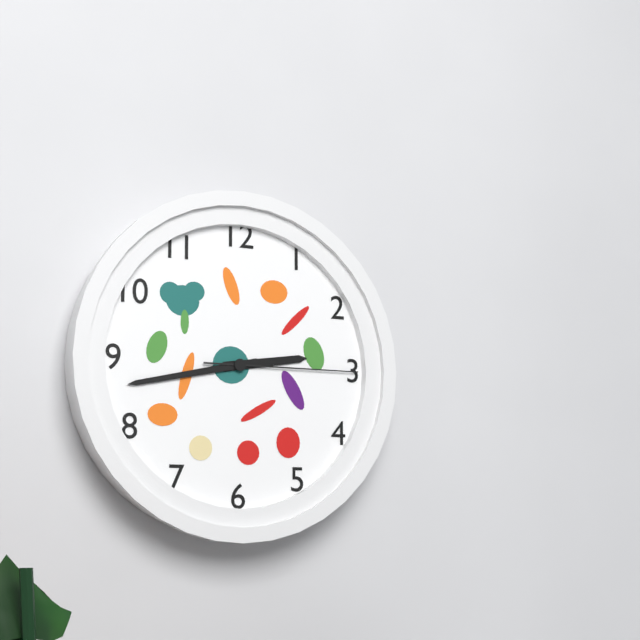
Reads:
{"hour": 2, "minute": 43, "second": 15}
